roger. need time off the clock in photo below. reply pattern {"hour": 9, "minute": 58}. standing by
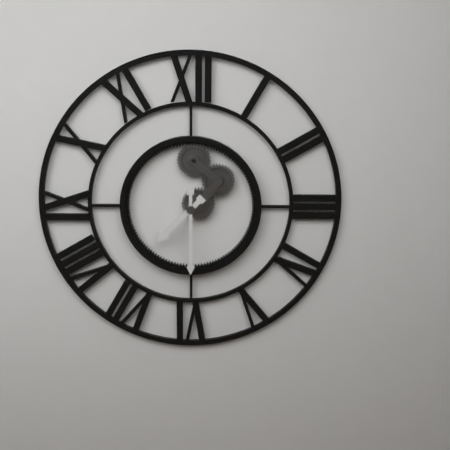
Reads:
{"hour": 7, "minute": 30}
